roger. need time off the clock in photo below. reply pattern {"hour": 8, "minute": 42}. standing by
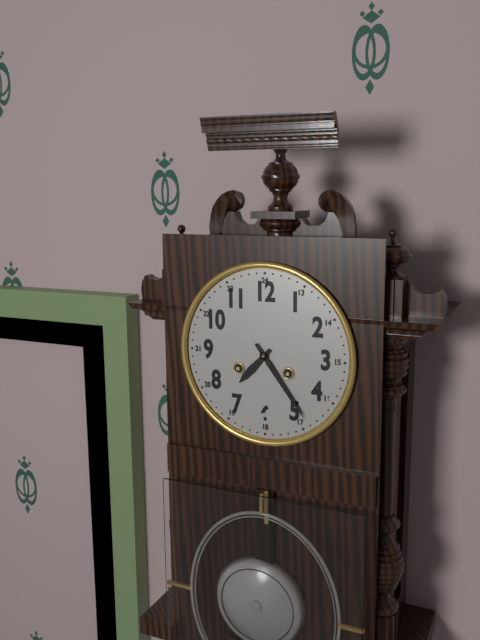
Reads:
{"hour": 7, "minute": 24}
